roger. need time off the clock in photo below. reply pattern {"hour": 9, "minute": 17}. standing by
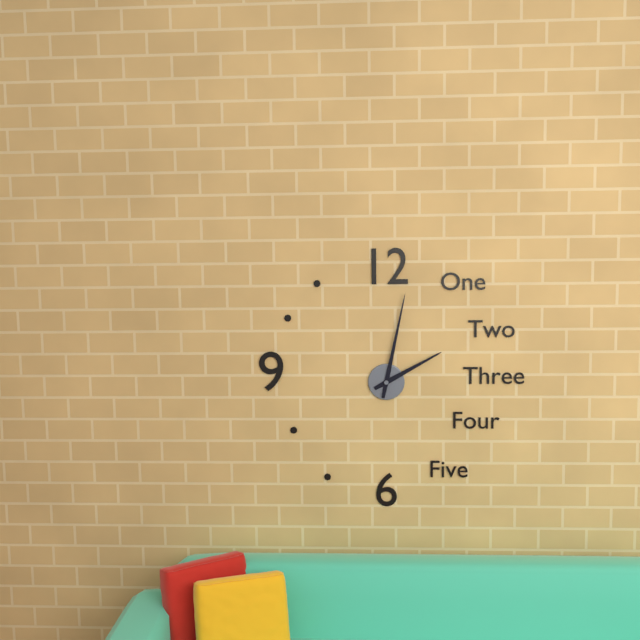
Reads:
{"hour": 2, "minute": 2}
